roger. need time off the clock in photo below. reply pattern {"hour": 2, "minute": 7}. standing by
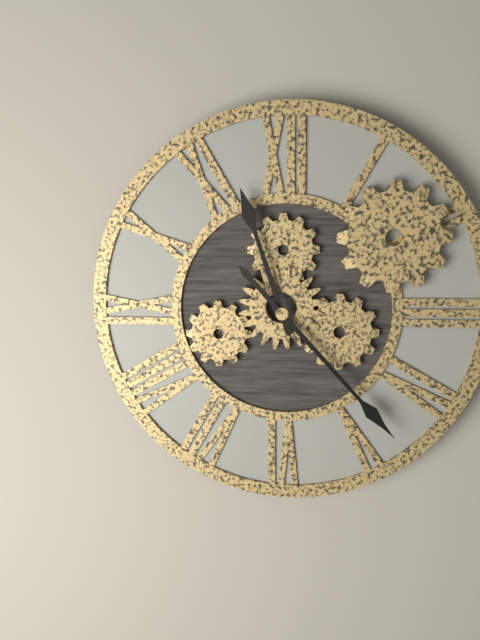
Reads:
{"hour": 11, "minute": 23}
